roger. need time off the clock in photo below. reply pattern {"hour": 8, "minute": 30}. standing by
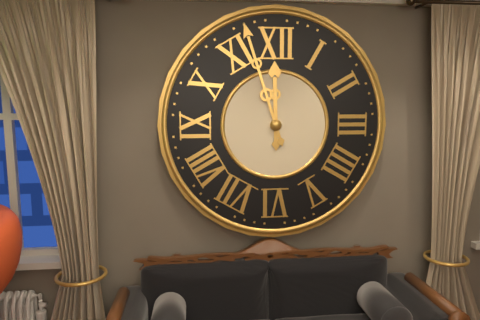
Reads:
{"hour": 11, "minute": 57}
